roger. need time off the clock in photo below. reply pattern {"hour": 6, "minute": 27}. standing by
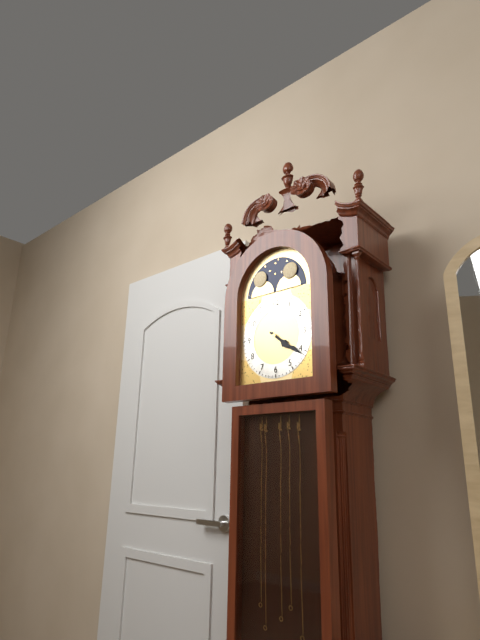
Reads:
{"hour": 4, "minute": 21}
